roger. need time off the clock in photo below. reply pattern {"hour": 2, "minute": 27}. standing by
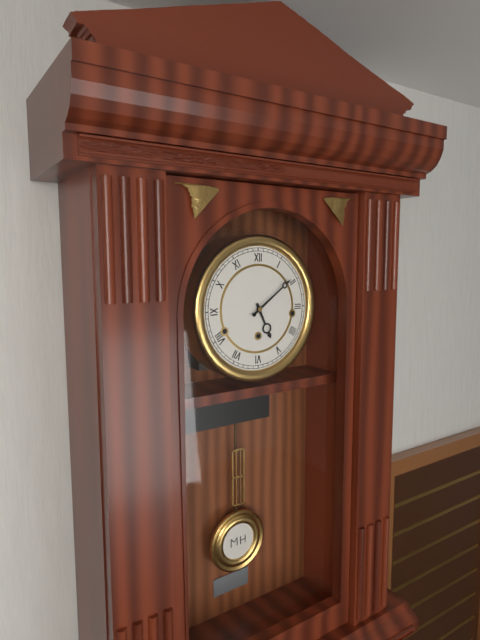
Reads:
{"hour": 5, "minute": 9}
